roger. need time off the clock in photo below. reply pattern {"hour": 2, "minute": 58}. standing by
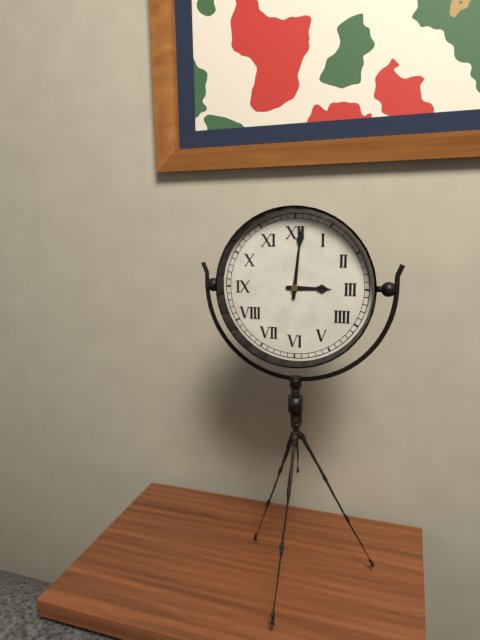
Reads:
{"hour": 3, "minute": 1}
